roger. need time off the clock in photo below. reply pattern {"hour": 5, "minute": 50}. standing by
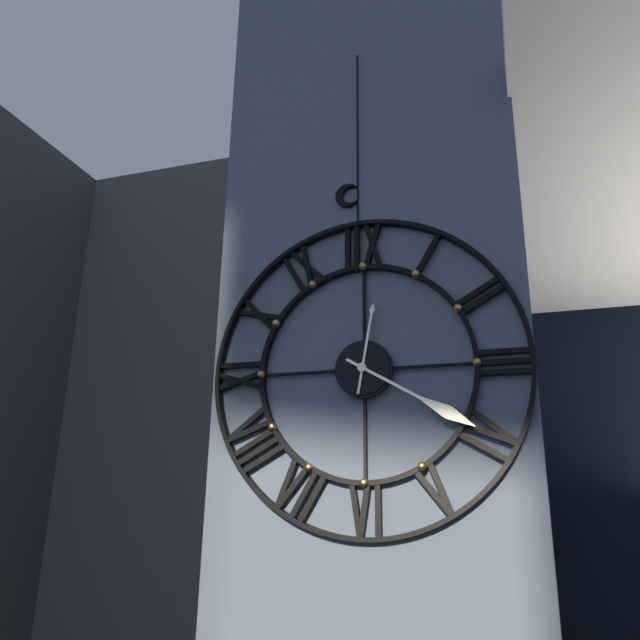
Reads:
{"hour": 12, "minute": 20}
